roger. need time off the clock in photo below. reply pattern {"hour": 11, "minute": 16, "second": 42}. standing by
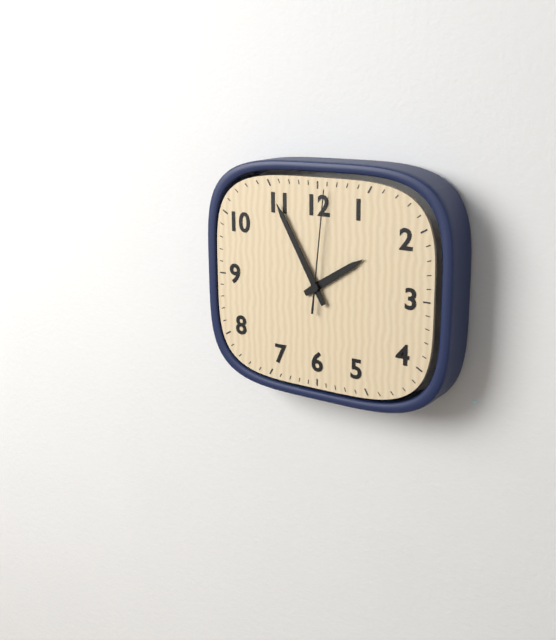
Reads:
{"hour": 1, "minute": 55, "second": 1}
